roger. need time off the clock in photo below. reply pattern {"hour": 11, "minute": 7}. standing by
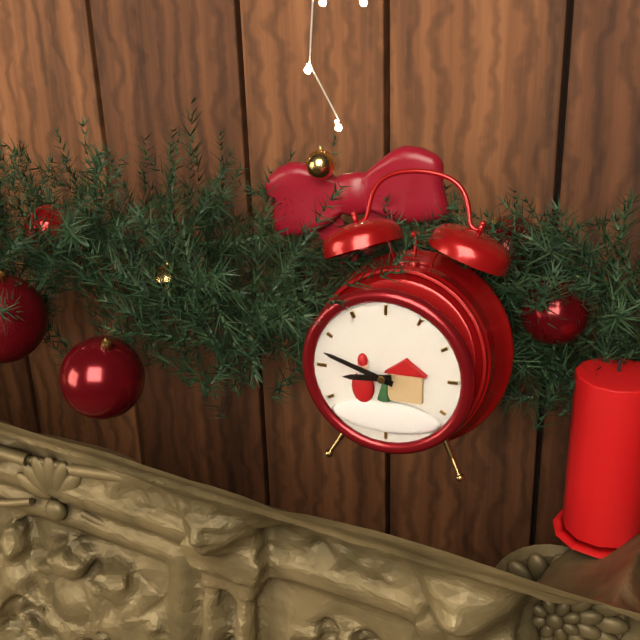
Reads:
{"hour": 8, "minute": 48}
